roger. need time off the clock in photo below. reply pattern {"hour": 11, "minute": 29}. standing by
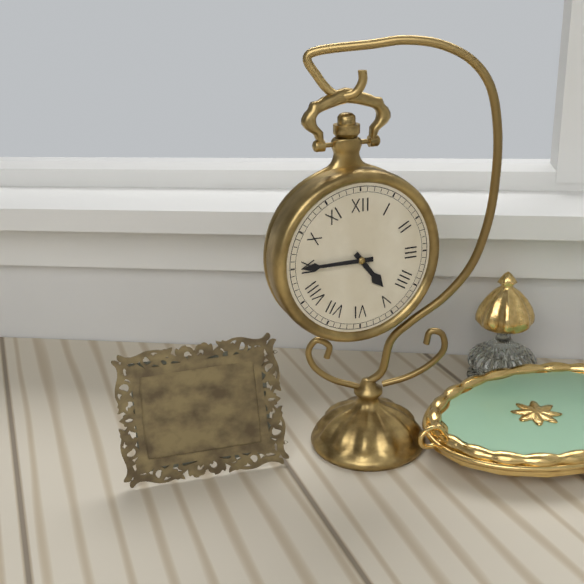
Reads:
{"hour": 4, "minute": 45}
